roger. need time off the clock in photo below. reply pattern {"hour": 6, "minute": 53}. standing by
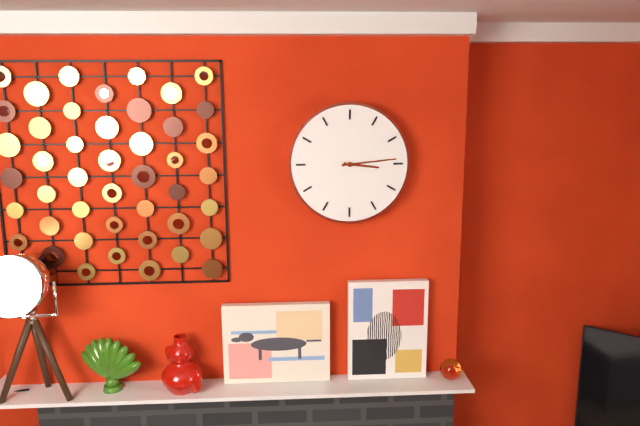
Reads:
{"hour": 3, "minute": 14}
